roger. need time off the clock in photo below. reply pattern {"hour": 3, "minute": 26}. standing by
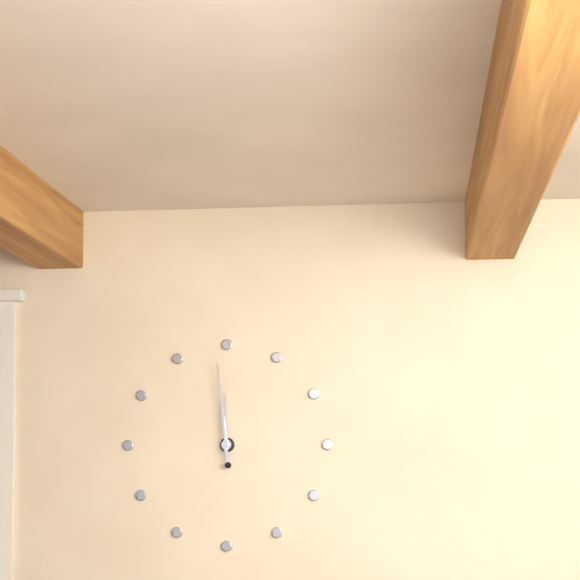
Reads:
{"hour": 11, "minute": 59}
